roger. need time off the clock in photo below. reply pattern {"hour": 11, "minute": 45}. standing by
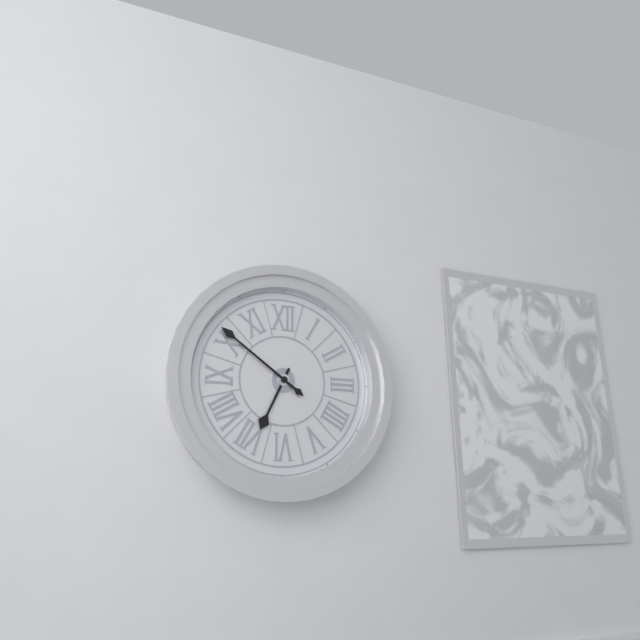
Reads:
{"hour": 6, "minute": 51}
